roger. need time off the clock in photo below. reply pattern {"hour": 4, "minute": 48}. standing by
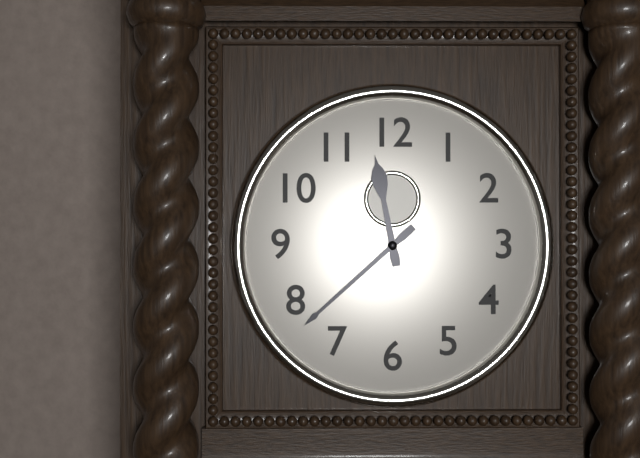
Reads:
{"hour": 11, "minute": 38}
